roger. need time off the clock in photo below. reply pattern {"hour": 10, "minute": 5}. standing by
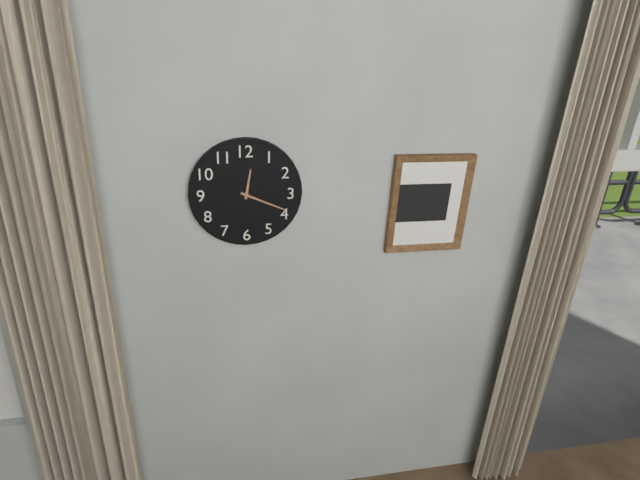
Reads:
{"hour": 12, "minute": 19}
